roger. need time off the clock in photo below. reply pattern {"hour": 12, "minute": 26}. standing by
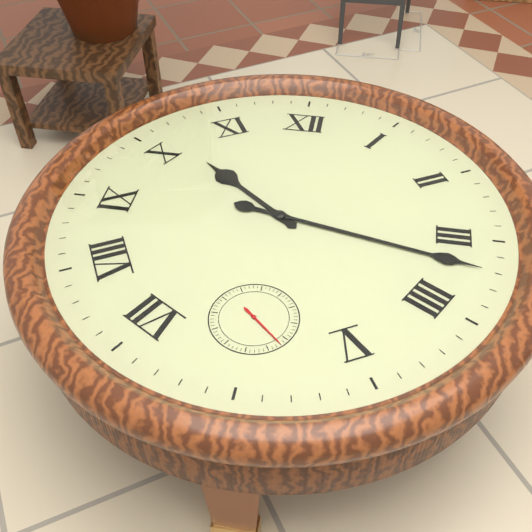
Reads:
{"hour": 10, "minute": 17}
